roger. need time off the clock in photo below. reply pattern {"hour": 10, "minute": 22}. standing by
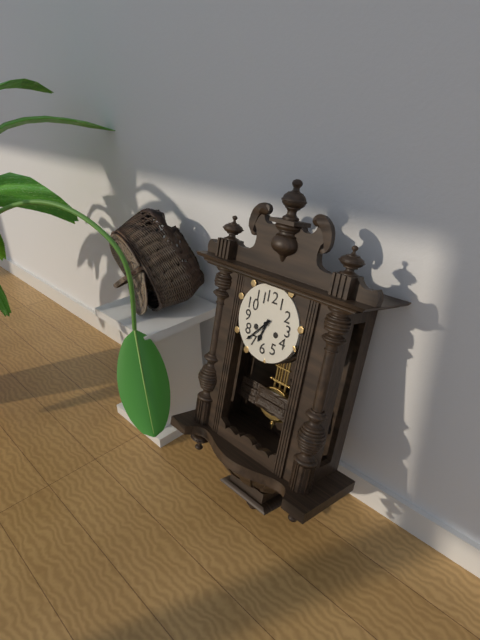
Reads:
{"hour": 6, "minute": 37}
